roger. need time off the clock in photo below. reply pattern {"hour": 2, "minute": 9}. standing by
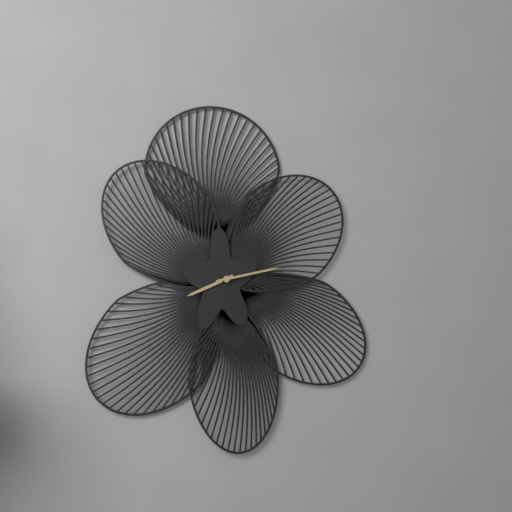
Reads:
{"hour": 8, "minute": 13}
